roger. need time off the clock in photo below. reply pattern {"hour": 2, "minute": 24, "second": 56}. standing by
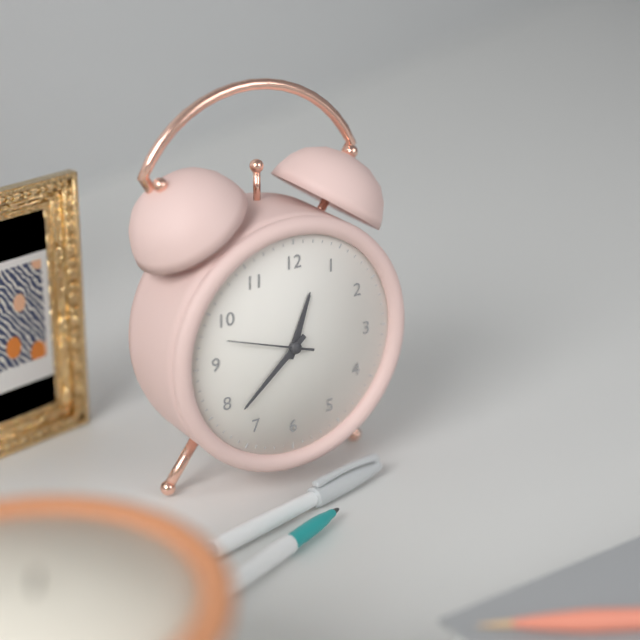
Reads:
{"hour": 12, "minute": 38, "second": 48}
